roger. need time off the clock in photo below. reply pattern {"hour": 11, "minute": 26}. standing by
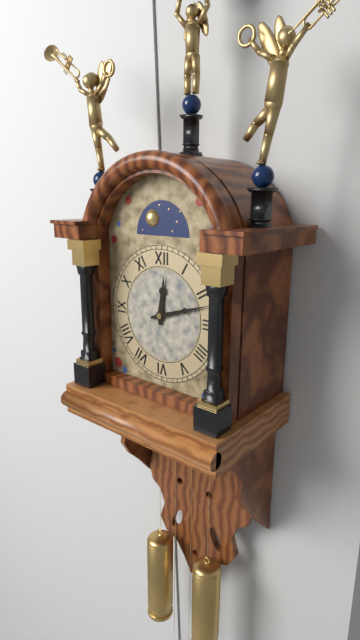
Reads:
{"hour": 12, "minute": 12}
